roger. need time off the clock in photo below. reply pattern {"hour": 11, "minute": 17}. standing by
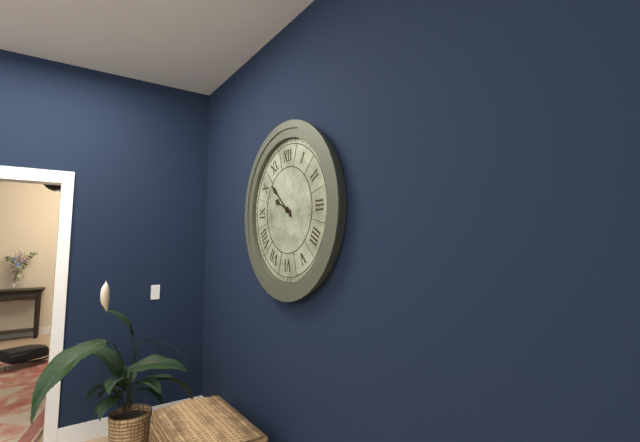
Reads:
{"hour": 9, "minute": 52}
